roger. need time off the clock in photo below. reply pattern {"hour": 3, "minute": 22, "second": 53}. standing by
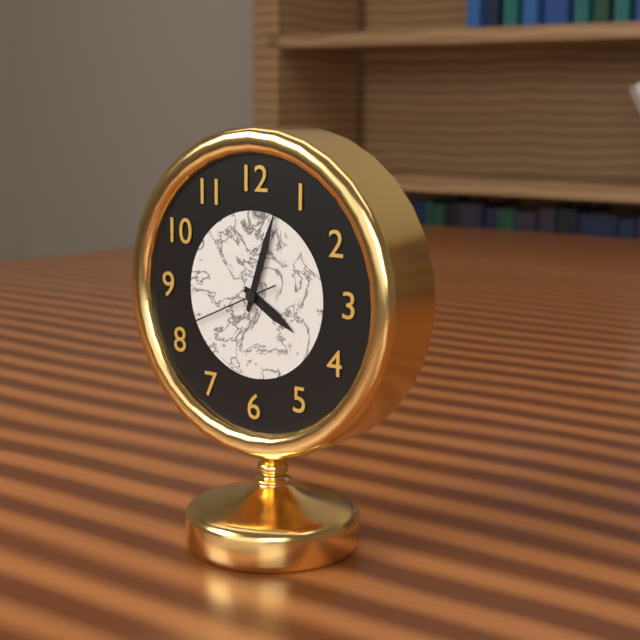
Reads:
{"hour": 4, "minute": 3, "second": 41}
